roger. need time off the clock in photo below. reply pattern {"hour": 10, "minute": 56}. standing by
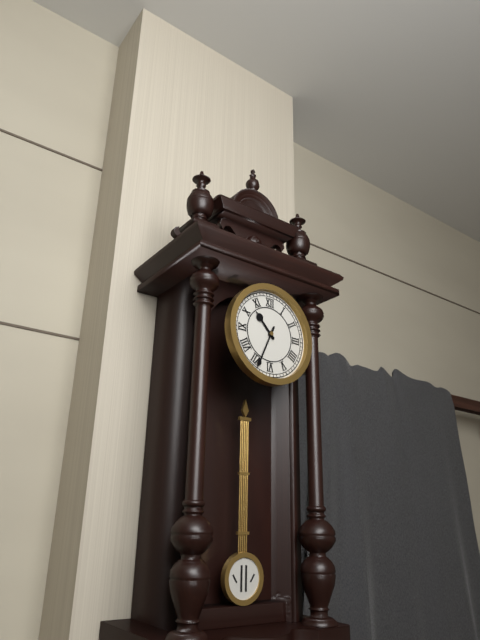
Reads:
{"hour": 10, "minute": 34}
